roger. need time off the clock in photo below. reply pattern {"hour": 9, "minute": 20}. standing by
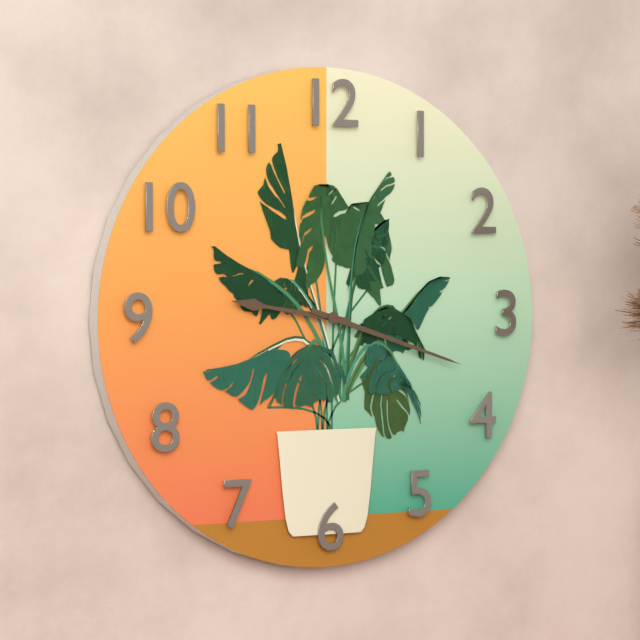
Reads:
{"hour": 9, "minute": 18}
